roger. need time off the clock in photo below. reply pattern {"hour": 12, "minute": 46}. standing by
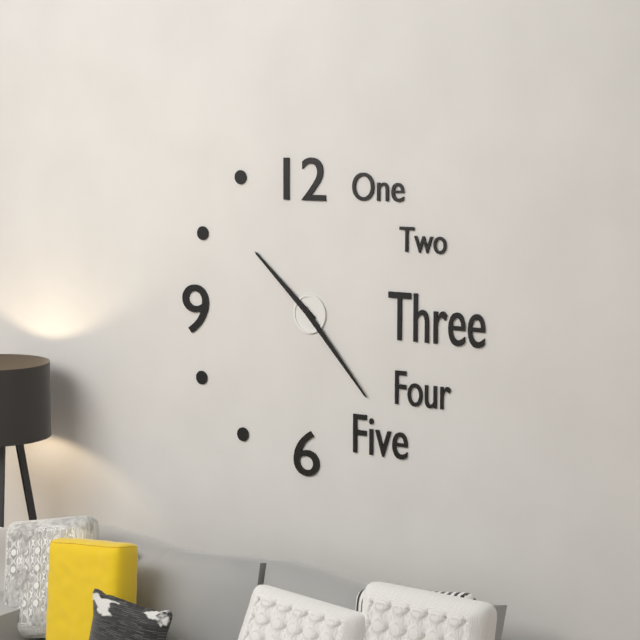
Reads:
{"hour": 10, "minute": 23}
